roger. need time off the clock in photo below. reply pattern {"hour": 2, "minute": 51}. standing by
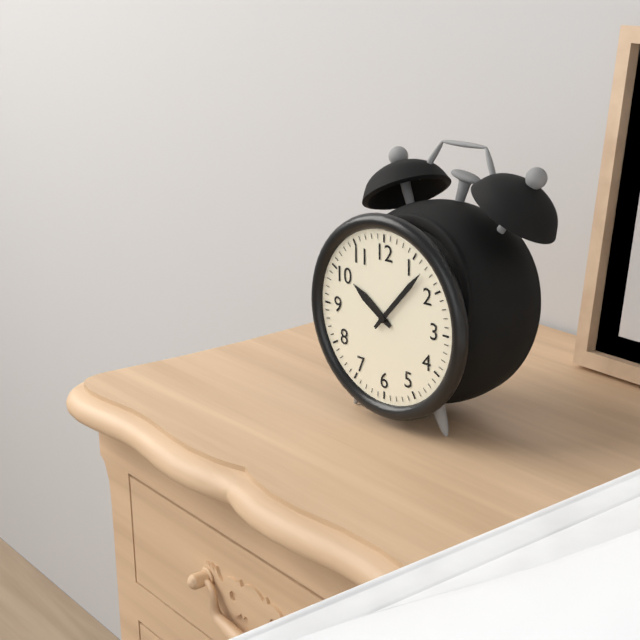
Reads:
{"hour": 10, "minute": 7}
